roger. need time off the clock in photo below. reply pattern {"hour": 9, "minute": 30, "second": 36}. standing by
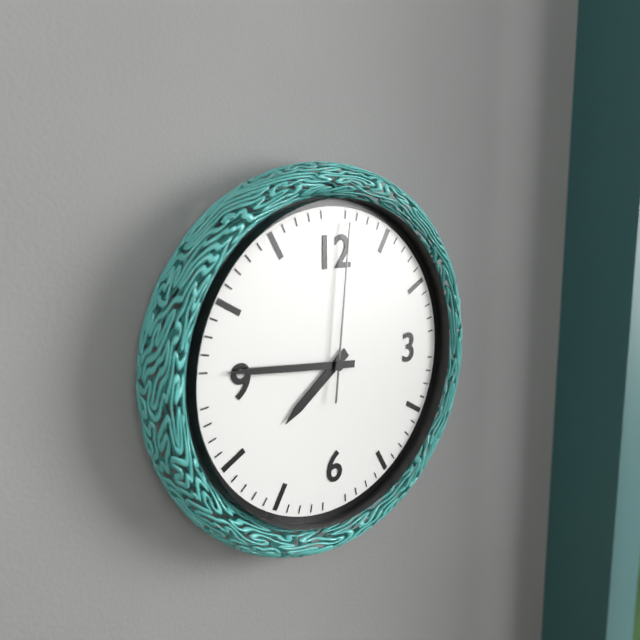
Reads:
{"hour": 7, "minute": 46, "second": 1}
